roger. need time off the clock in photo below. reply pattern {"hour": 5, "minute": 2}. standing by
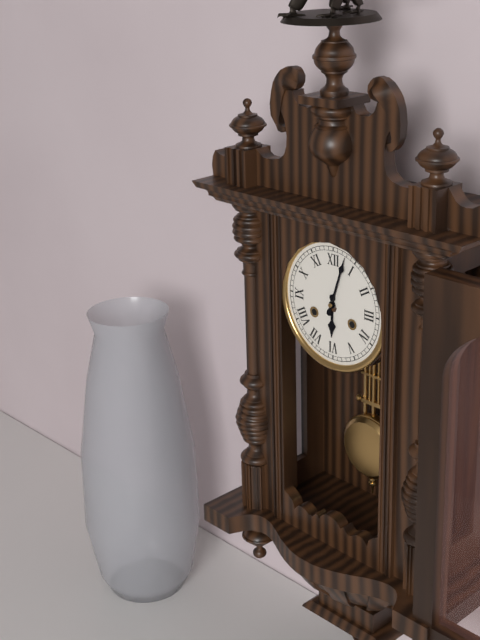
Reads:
{"hour": 6, "minute": 3}
